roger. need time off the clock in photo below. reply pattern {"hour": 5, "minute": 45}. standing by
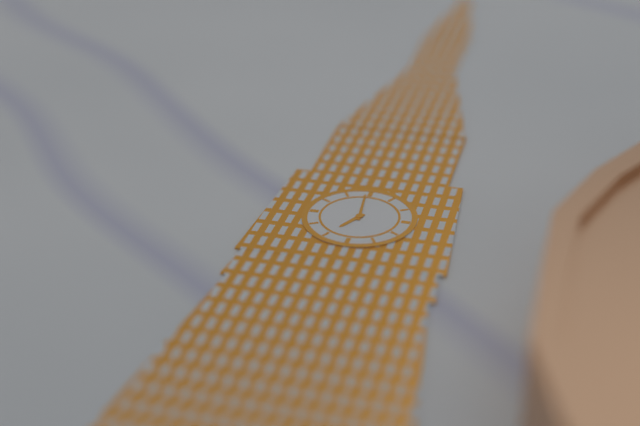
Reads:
{"hour": 6, "minute": 59}
